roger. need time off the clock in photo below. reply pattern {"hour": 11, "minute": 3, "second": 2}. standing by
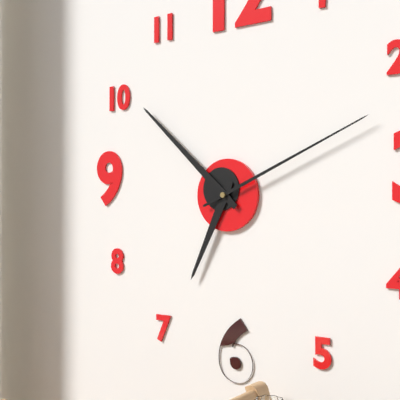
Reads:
{"hour": 6, "minute": 52, "second": 11}
